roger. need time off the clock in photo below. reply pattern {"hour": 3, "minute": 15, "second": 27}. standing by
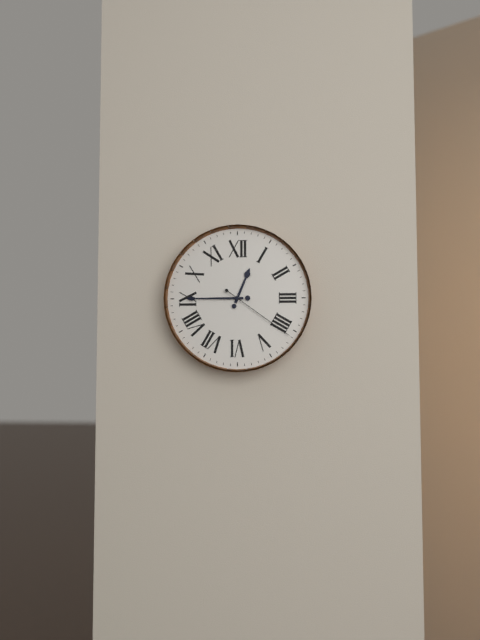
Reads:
{"hour": 12, "minute": 45, "second": 21}
